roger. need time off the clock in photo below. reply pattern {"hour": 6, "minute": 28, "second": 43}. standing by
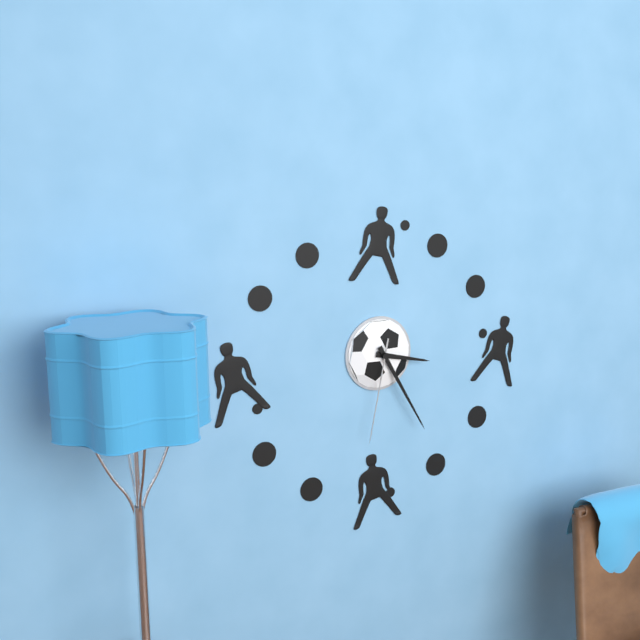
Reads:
{"hour": 3, "minute": 25, "second": 32}
